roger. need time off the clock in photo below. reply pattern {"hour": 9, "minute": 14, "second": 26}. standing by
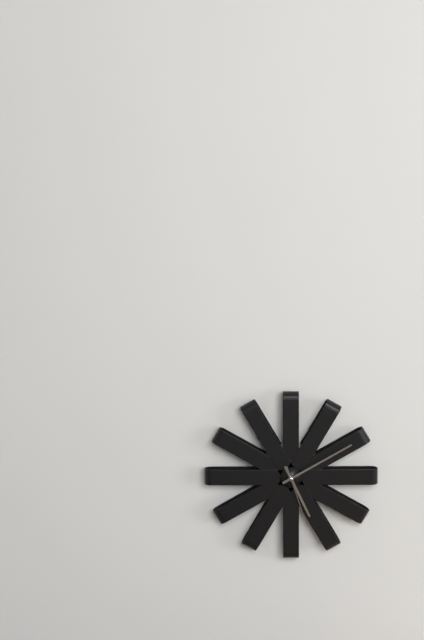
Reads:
{"hour": 5, "minute": 10, "second": 27}
